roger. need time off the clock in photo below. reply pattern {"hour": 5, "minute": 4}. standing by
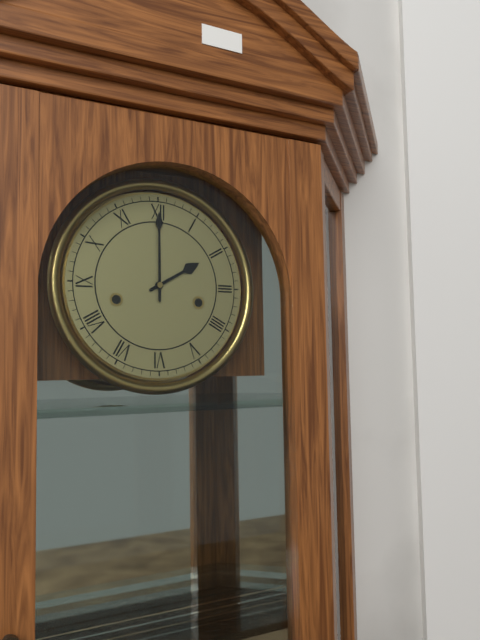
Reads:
{"hour": 2, "minute": 0}
